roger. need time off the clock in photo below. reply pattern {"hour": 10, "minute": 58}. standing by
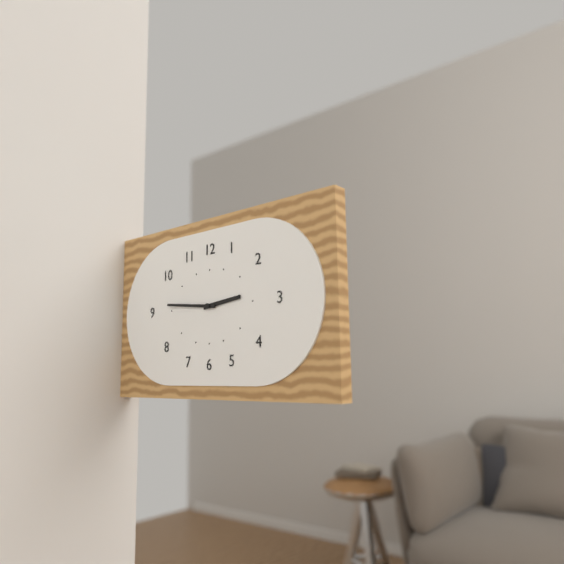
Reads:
{"hour": 2, "minute": 46}
